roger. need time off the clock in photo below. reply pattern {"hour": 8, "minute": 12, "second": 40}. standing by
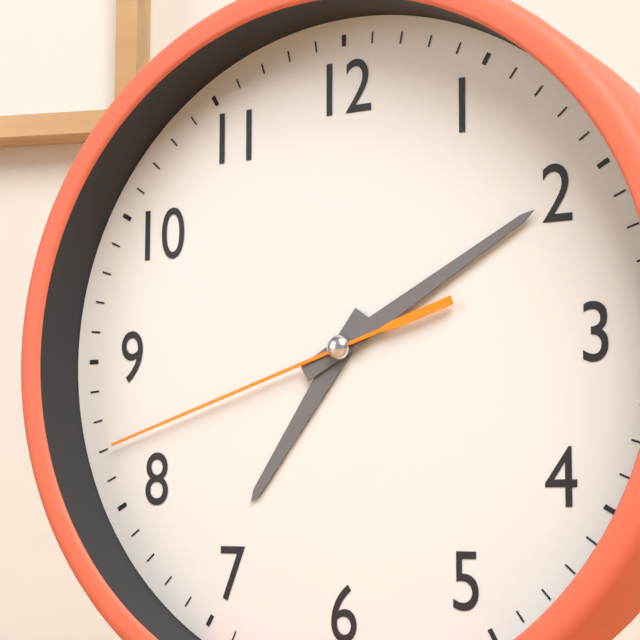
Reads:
{"hour": 7, "minute": 10, "second": 42}
